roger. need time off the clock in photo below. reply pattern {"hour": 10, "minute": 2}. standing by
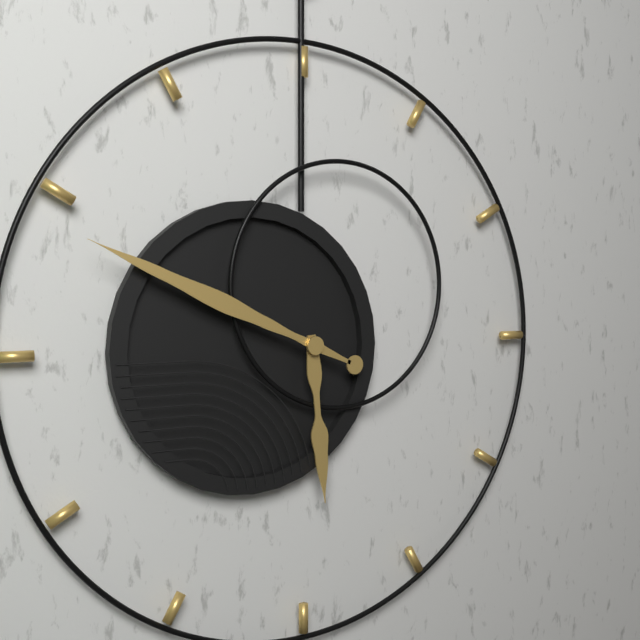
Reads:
{"hour": 5, "minute": 49}
